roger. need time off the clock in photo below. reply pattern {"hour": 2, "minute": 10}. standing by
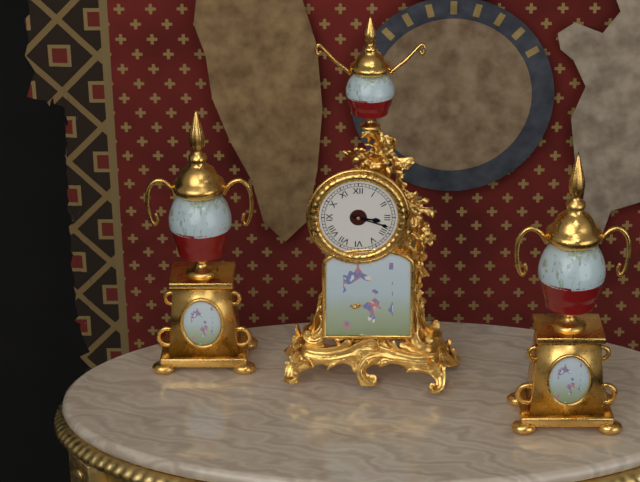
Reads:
{"hour": 3, "minute": 18}
